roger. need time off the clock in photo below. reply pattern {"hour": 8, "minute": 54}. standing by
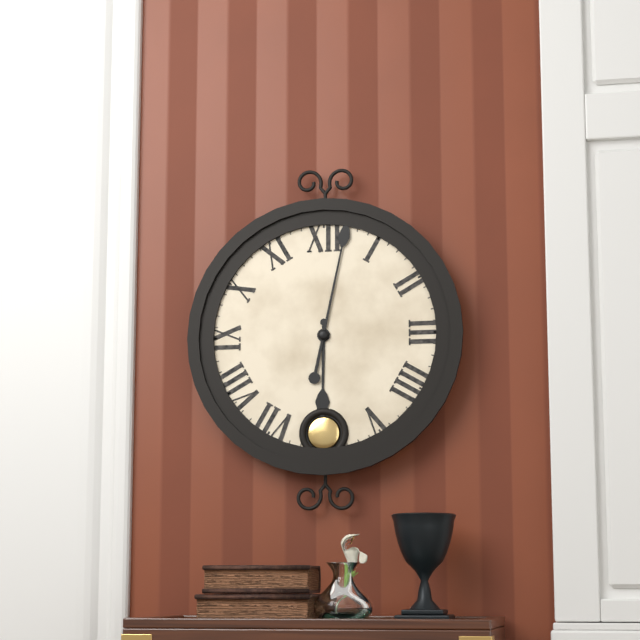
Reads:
{"hour": 6, "minute": 2}
